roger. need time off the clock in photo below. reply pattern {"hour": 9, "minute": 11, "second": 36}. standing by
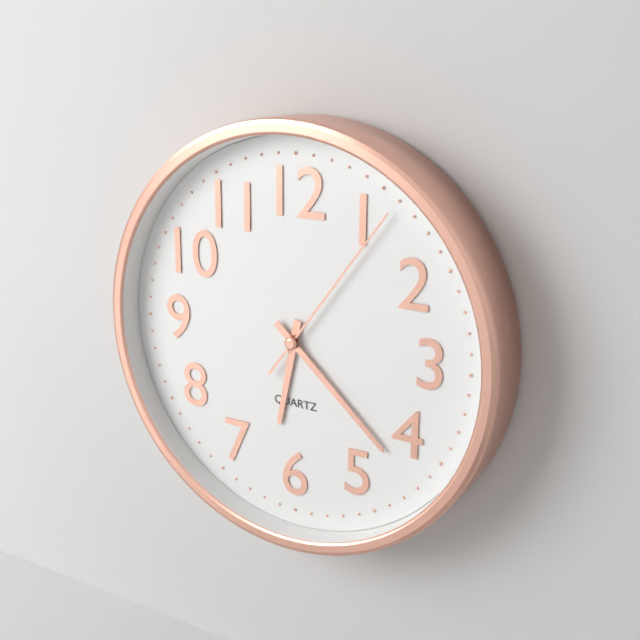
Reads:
{"hour": 6, "minute": 22, "second": 6}
